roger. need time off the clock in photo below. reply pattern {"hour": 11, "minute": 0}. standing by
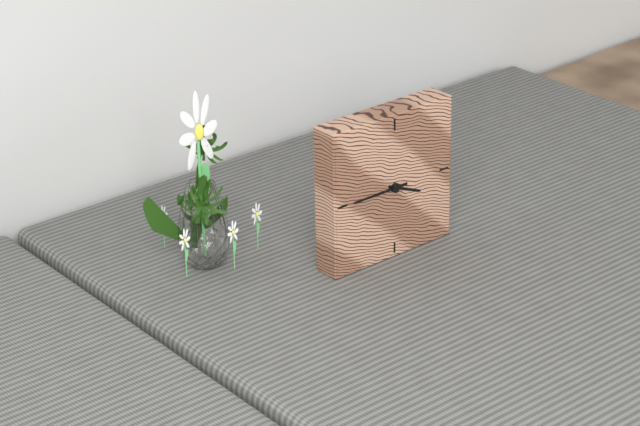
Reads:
{"hour": 3, "minute": 45}
